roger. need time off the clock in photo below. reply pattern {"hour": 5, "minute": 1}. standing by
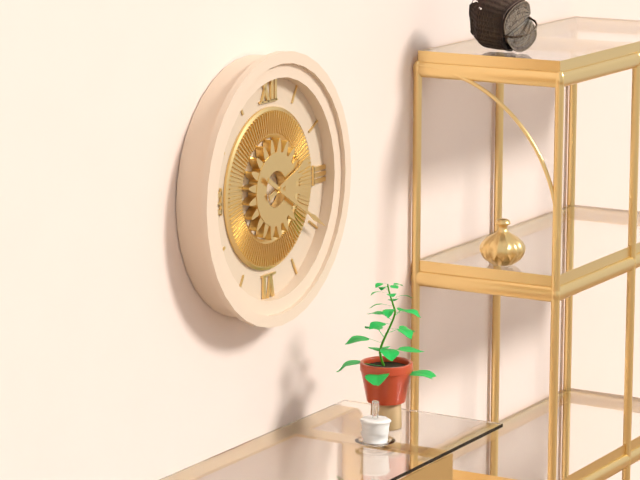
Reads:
{"hour": 2, "minute": 20}
